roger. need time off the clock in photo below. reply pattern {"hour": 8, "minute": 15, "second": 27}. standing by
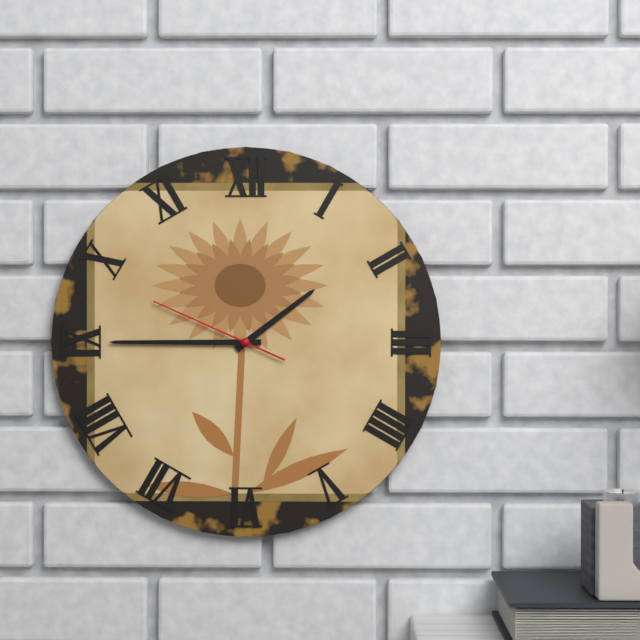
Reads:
{"hour": 1, "minute": 45, "second": 49}
